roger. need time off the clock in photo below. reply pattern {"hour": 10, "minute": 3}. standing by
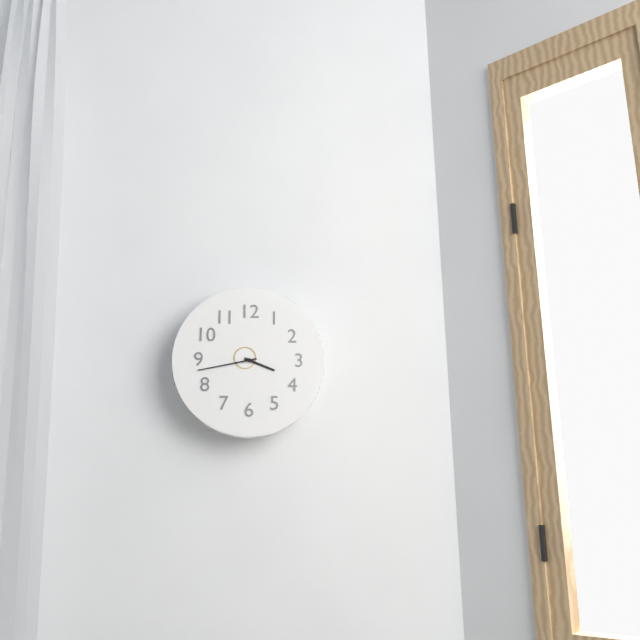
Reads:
{"hour": 3, "minute": 43}
